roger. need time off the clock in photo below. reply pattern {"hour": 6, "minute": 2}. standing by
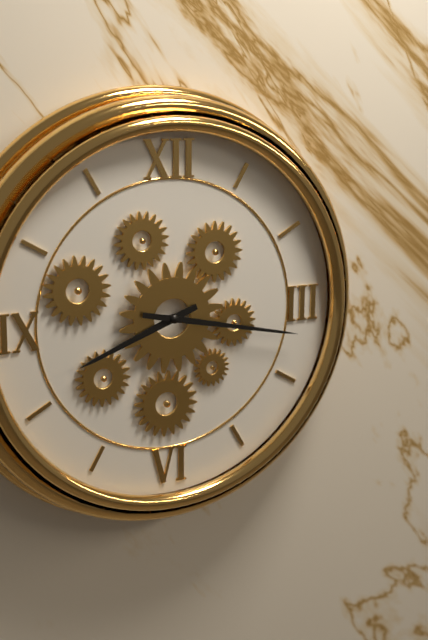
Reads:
{"hour": 8, "minute": 17}
